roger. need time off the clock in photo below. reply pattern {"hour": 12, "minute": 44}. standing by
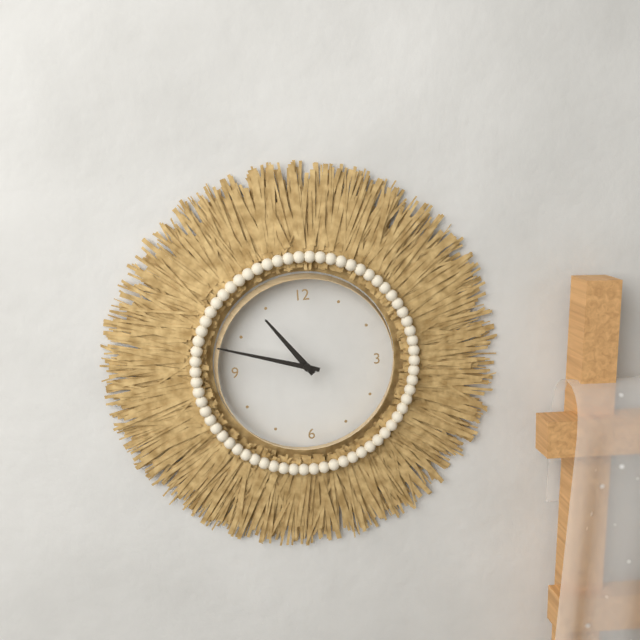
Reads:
{"hour": 10, "minute": 48}
